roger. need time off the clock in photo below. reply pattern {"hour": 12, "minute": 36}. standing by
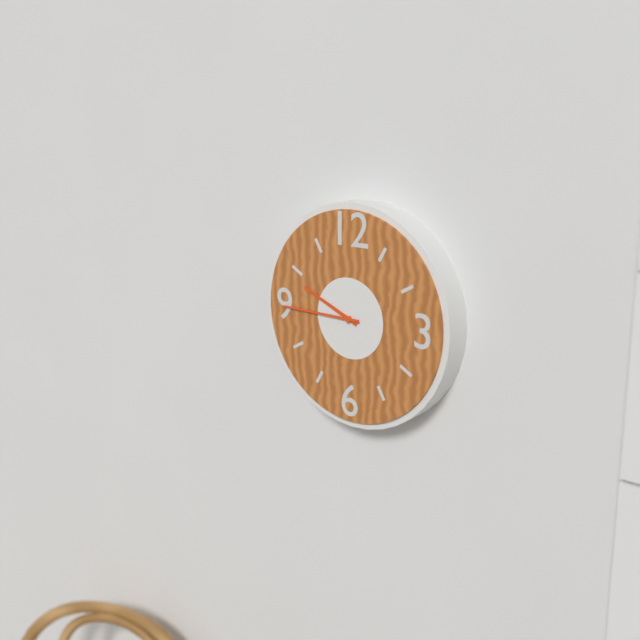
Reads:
{"hour": 9, "minute": 45}
